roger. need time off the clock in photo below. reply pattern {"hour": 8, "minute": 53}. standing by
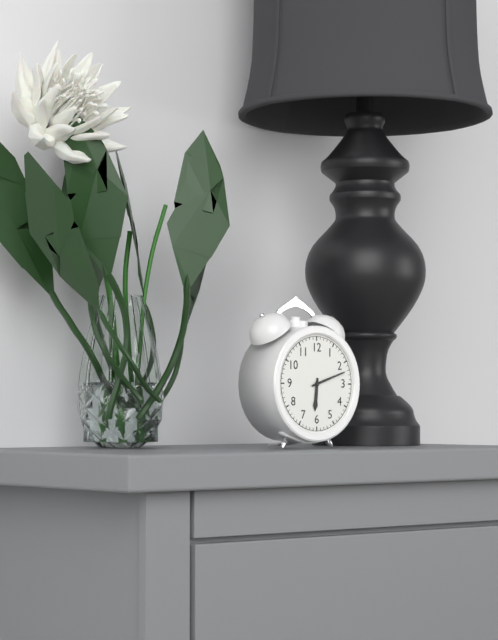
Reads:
{"hour": 6, "minute": 12}
